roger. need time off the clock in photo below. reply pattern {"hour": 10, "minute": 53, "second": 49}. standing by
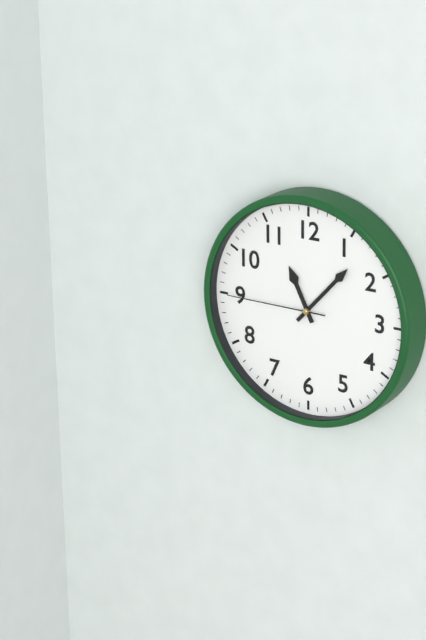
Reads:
{"hour": 11, "minute": 7, "second": 45}
